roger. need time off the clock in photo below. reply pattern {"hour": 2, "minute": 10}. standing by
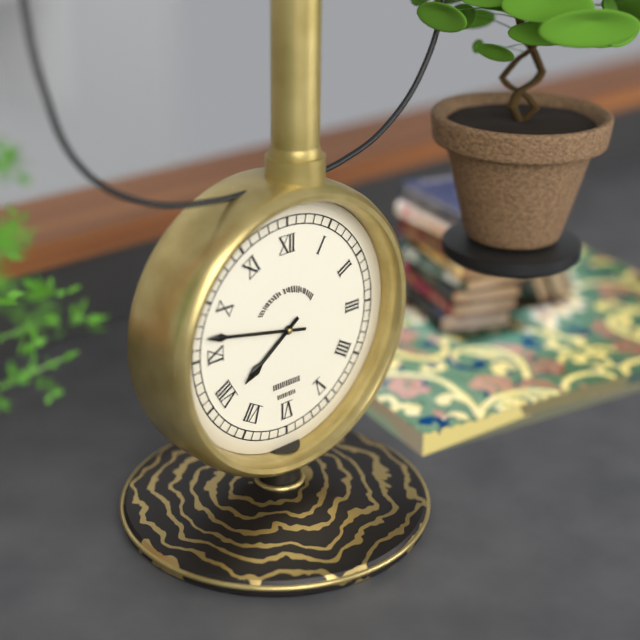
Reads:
{"hour": 7, "minute": 47}
